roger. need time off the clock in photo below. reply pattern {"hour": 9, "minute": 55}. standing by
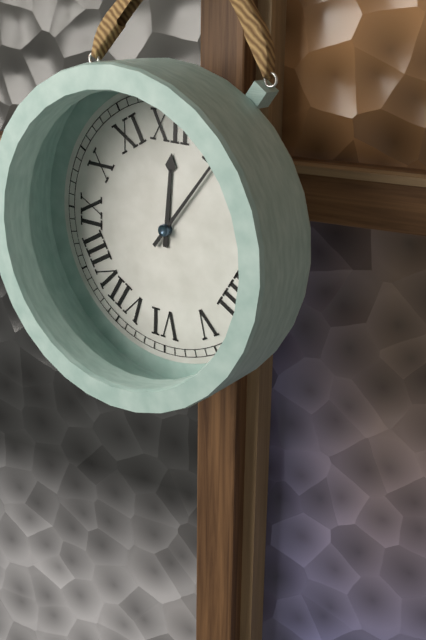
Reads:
{"hour": 12, "minute": 6}
